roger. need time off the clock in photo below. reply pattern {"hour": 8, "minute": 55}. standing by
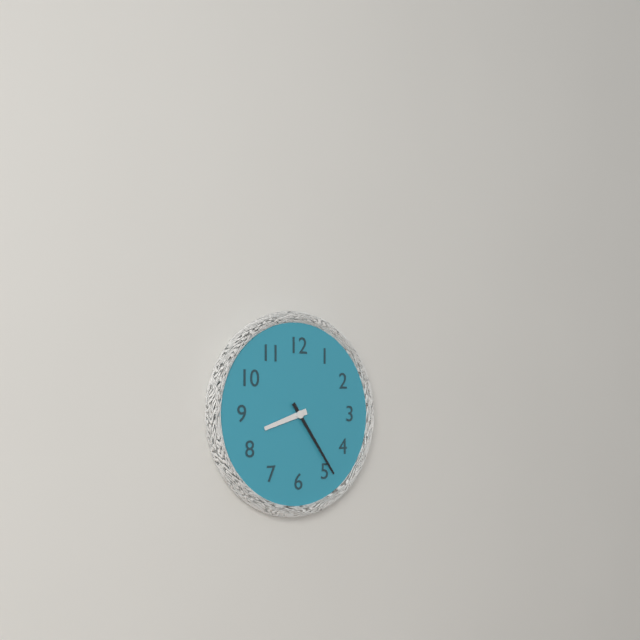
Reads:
{"hour": 8, "minute": 24}
